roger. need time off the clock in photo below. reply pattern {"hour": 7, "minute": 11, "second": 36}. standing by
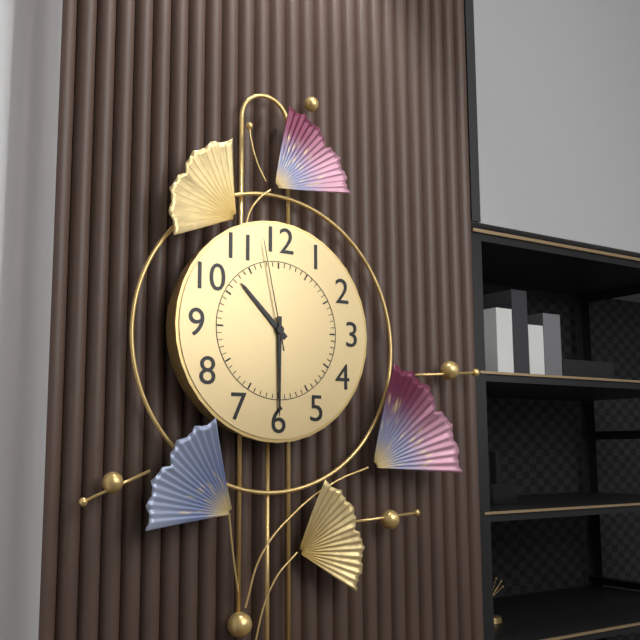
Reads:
{"hour": 10, "minute": 30, "second": 58}
